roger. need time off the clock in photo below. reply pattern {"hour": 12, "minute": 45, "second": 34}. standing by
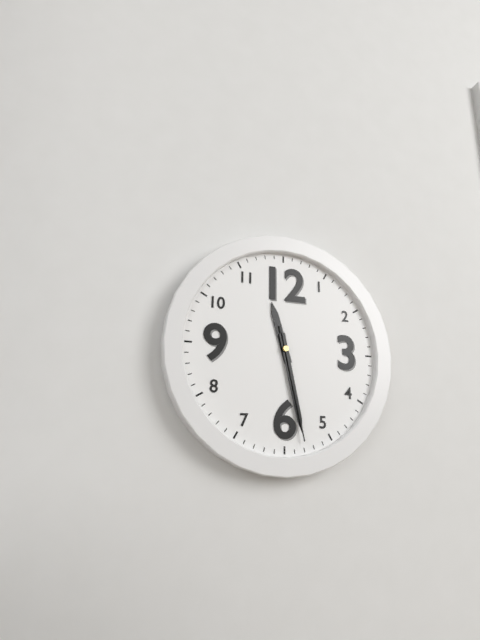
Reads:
{"hour": 11, "minute": 28, "second": 28}
